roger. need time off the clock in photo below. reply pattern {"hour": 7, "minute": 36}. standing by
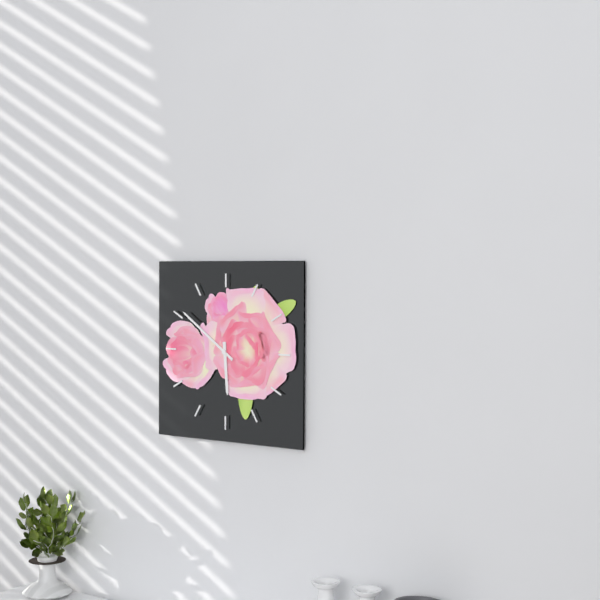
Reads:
{"hour": 5, "minute": 51}
